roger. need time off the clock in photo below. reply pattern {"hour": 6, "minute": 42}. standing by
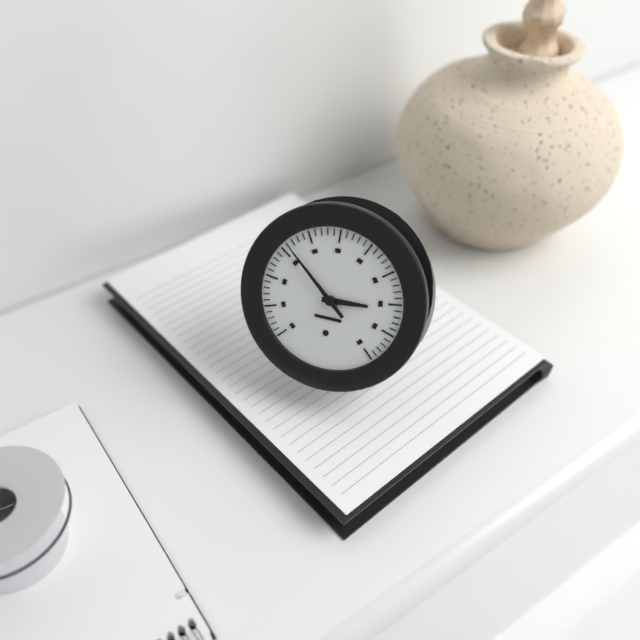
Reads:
{"hour": 2, "minute": 52}
